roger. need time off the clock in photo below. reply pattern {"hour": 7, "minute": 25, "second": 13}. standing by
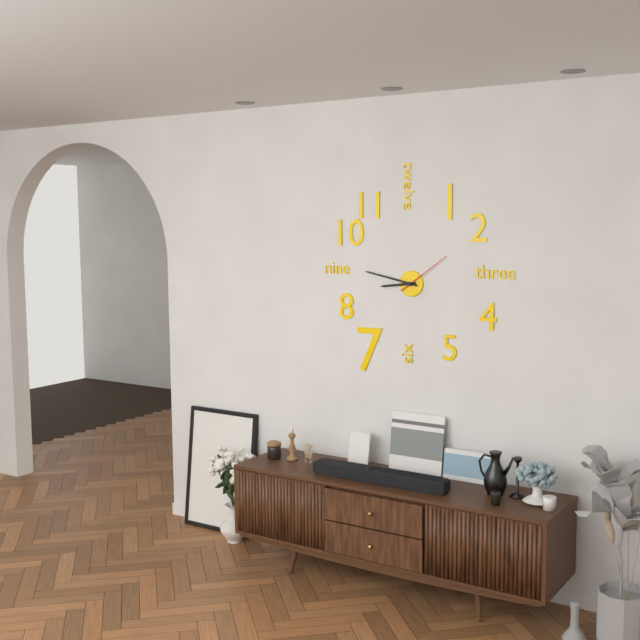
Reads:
{"hour": 8, "minute": 47, "second": 9}
